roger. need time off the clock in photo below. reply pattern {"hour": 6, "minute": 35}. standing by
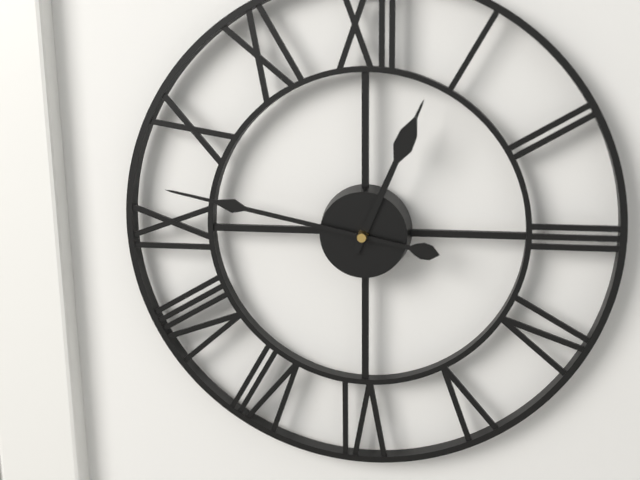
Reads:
{"hour": 12, "minute": 47}
